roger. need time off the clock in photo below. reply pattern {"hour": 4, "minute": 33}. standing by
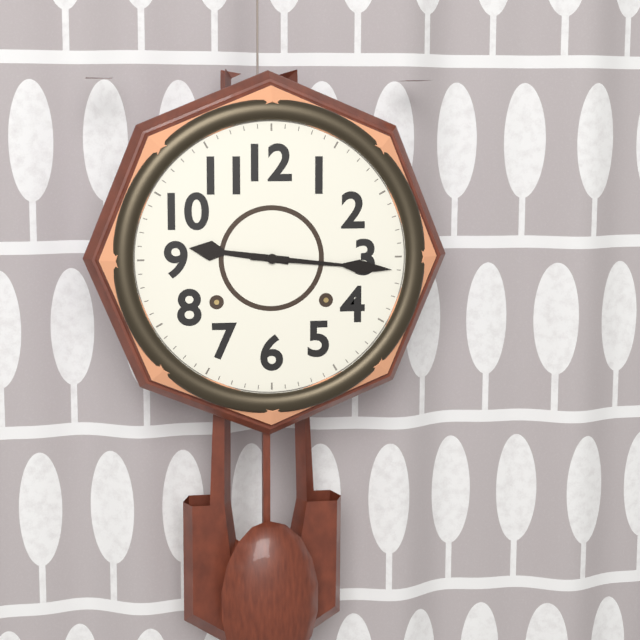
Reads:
{"hour": 9, "minute": 16}
